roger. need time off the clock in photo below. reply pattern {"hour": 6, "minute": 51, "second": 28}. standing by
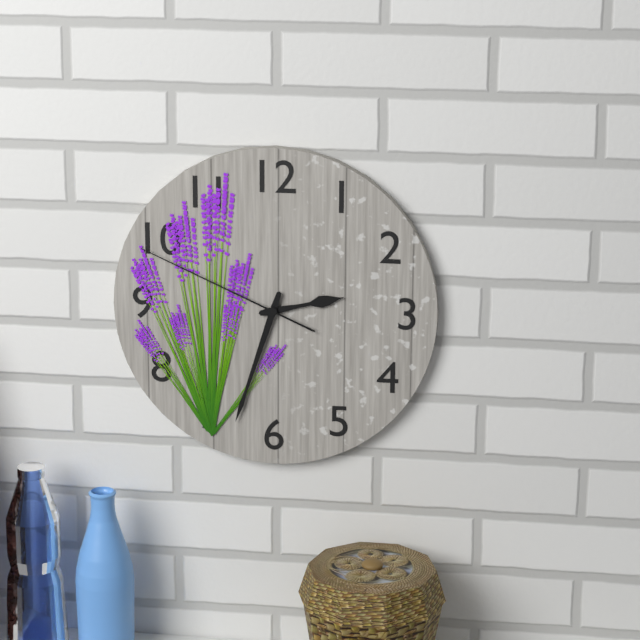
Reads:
{"hour": 2, "minute": 33, "second": 49}
